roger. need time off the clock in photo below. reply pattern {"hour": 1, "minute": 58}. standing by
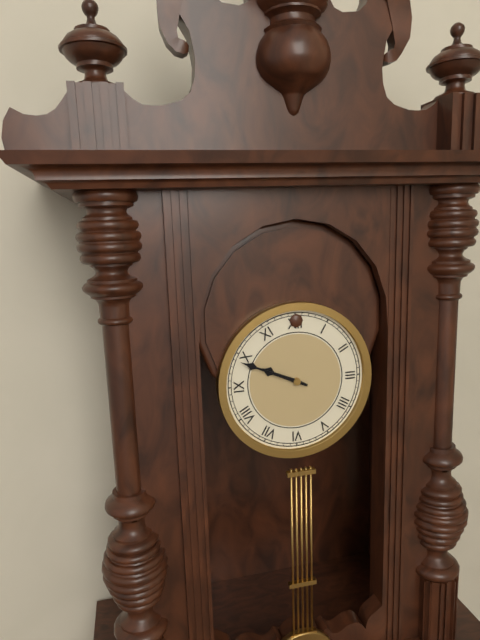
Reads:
{"hour": 9, "minute": 49}
